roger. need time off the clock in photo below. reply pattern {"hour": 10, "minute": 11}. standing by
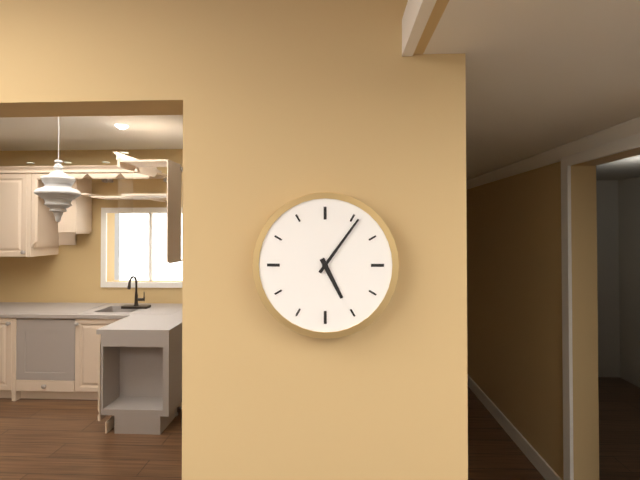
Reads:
{"hour": 5, "minute": 6}
